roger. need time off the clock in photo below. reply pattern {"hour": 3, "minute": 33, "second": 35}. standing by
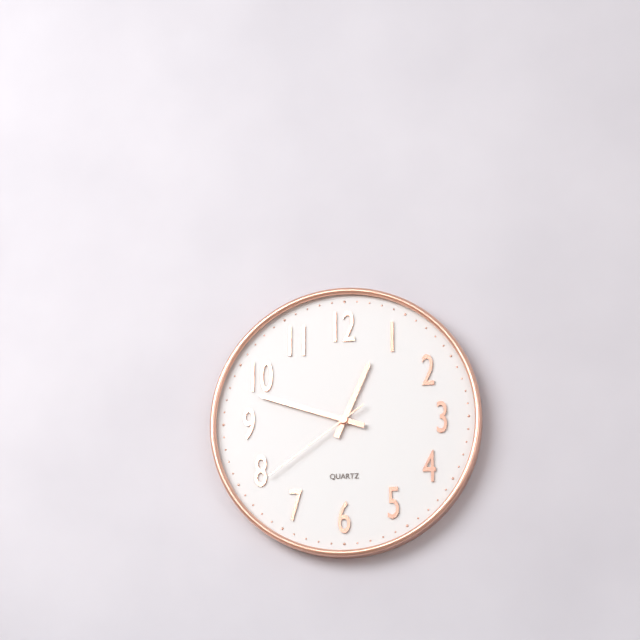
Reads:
{"hour": 12, "minute": 48, "second": 39}
